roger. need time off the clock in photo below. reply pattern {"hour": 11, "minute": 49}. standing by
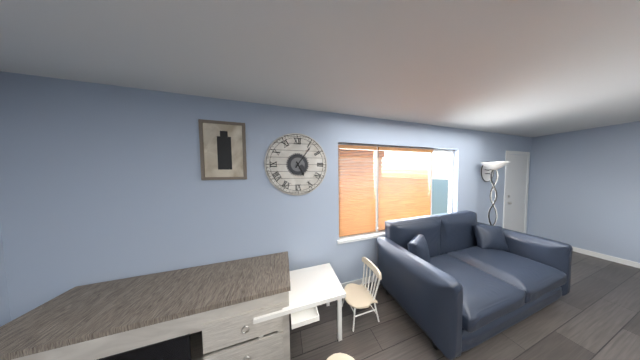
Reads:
{"hour": 5, "minute": 6}
